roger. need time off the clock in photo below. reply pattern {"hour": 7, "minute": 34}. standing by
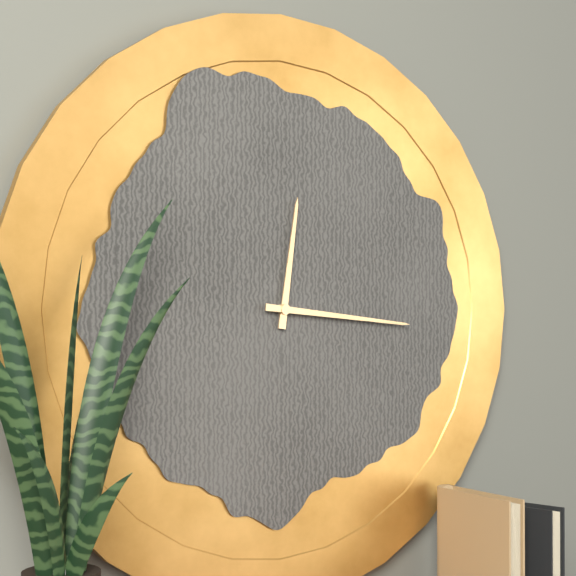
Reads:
{"hour": 12, "minute": 16}
